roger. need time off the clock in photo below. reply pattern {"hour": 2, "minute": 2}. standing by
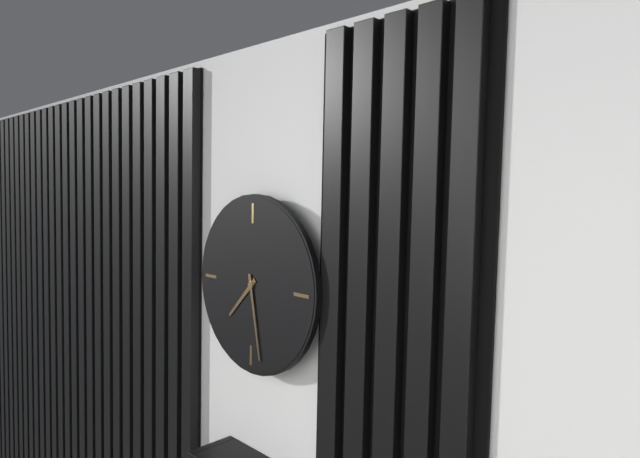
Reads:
{"hour": 7, "minute": 28}
